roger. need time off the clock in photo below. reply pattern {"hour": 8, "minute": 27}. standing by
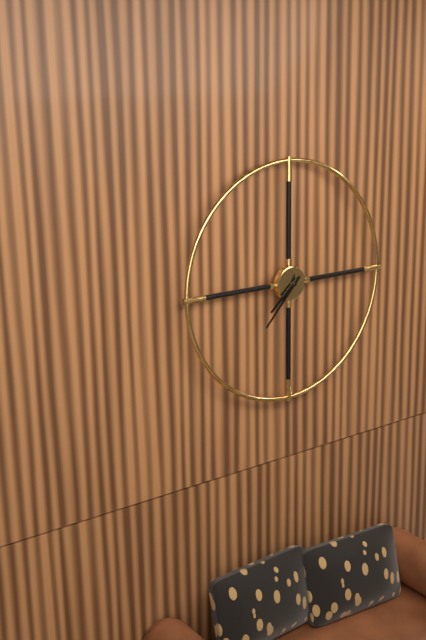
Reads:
{"hour": 7, "minute": 37}
